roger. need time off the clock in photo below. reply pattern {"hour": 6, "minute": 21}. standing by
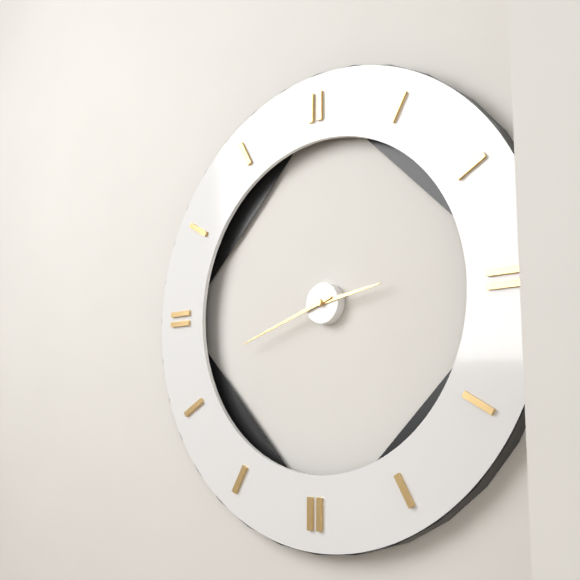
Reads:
{"hour": 2, "minute": 42}
